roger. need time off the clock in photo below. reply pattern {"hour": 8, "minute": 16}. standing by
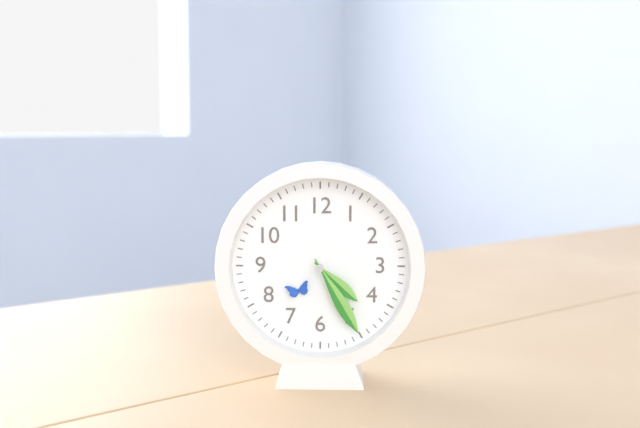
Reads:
{"hour": 4, "minute": 25}
